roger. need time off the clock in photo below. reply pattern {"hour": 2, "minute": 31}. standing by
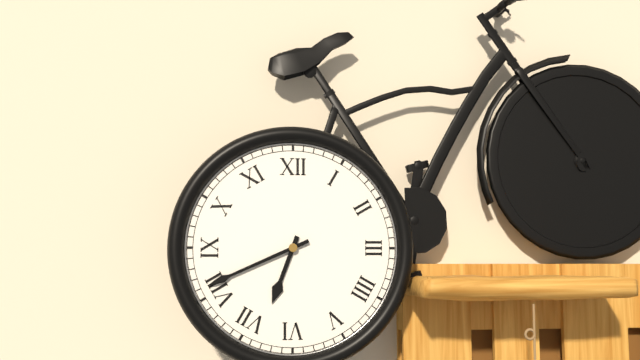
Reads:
{"hour": 6, "minute": 41}
